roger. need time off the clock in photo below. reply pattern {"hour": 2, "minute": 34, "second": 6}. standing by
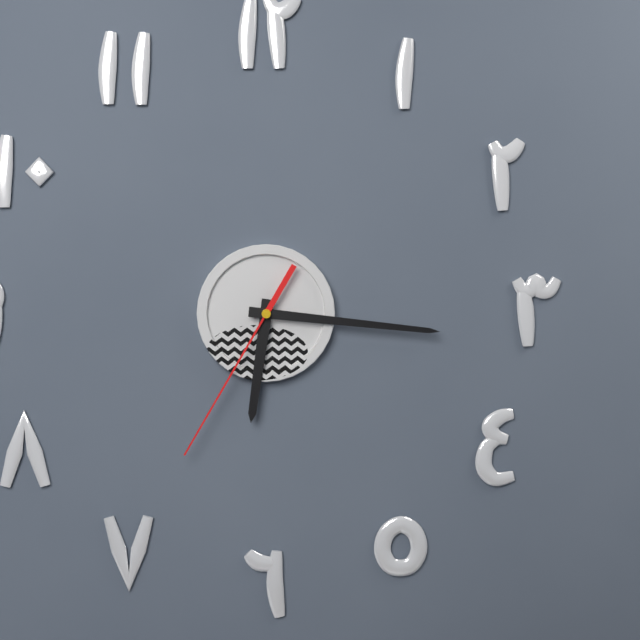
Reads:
{"hour": 6, "minute": 16, "second": 35}
